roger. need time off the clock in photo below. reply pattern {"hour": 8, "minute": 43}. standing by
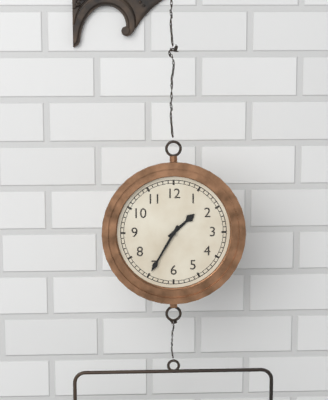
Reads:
{"hour": 1, "minute": 35}
